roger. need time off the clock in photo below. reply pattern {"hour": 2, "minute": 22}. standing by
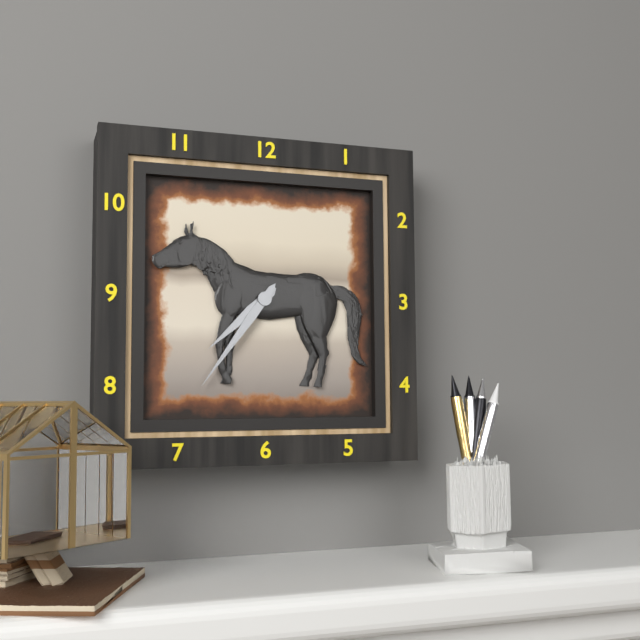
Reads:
{"hour": 7, "minute": 36}
